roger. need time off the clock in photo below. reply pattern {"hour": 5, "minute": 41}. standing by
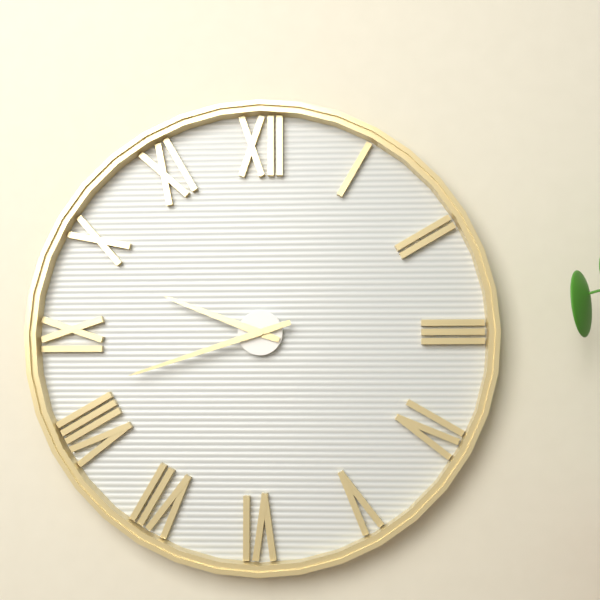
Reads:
{"hour": 9, "minute": 42}
